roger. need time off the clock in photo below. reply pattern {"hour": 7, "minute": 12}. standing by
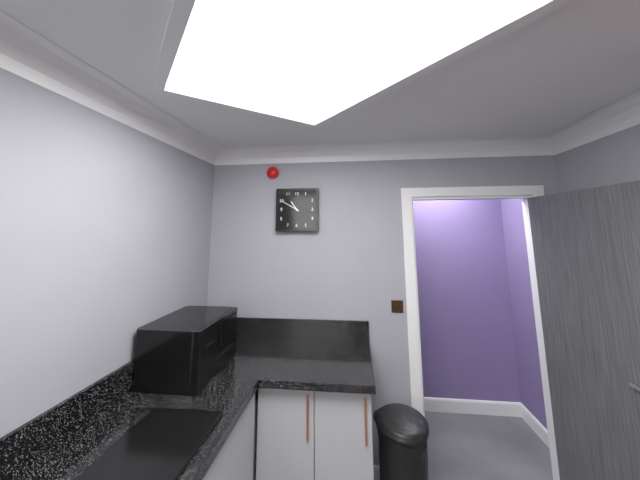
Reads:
{"hour": 10, "minute": 50}
